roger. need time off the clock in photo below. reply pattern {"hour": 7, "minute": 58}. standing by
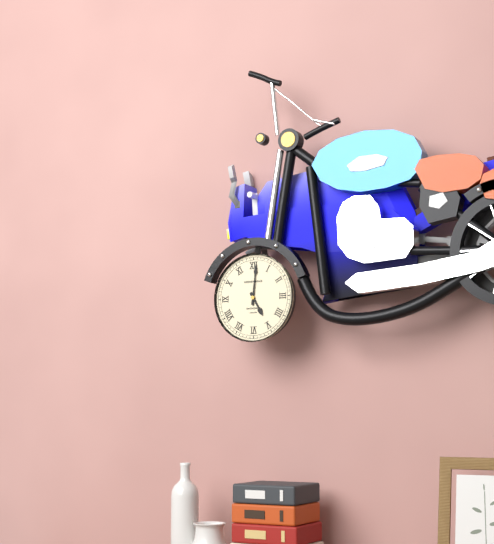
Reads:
{"hour": 5, "minute": 1}
